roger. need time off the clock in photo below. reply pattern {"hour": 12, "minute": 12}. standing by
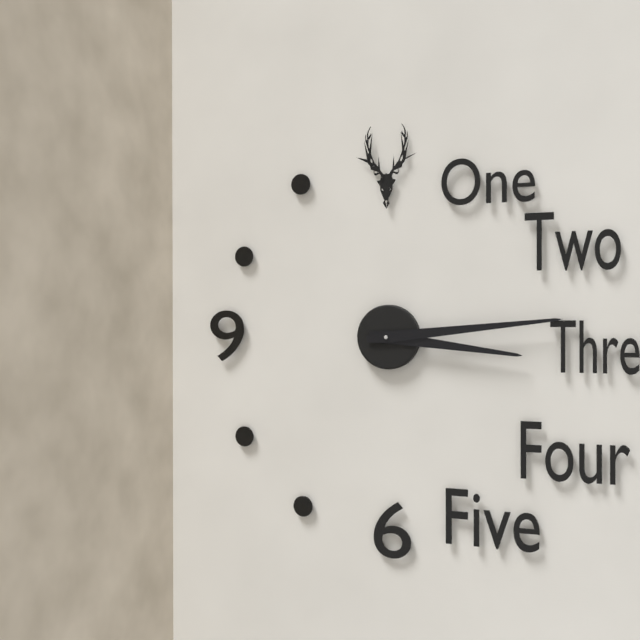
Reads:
{"hour": 3, "minute": 14}
